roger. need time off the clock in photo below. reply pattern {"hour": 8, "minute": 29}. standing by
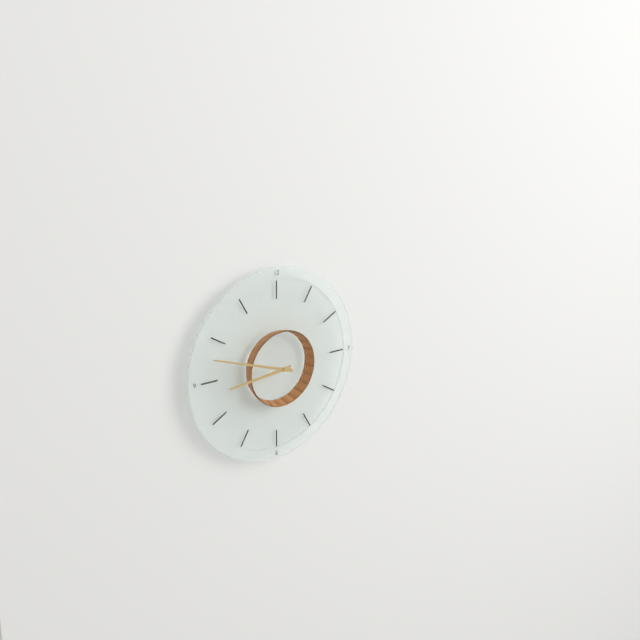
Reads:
{"hour": 8, "minute": 48}
